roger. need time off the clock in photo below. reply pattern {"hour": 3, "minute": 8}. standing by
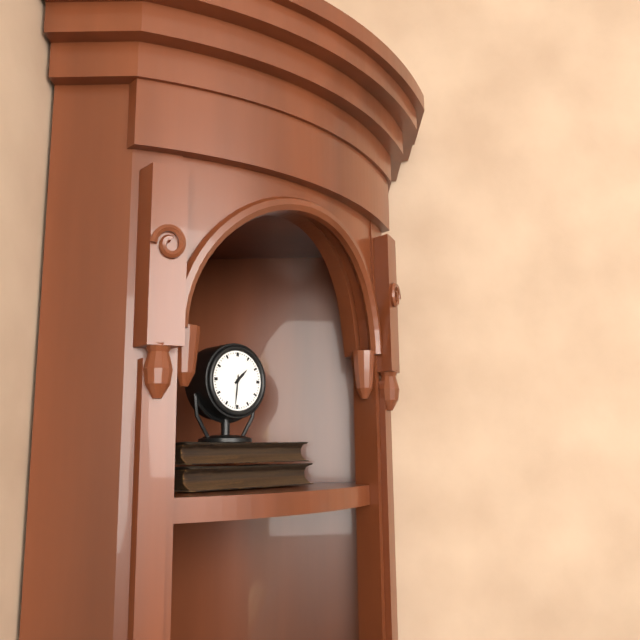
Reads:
{"hour": 1, "minute": 31}
